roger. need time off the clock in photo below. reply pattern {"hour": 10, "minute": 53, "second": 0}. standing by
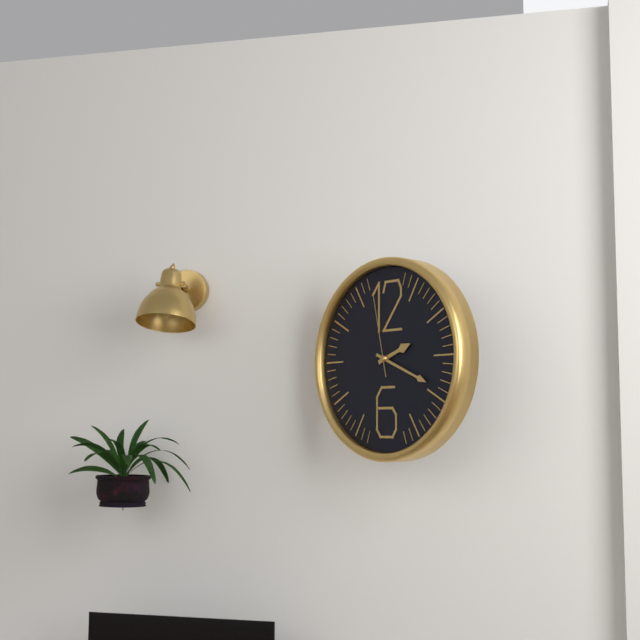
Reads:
{"hour": 2, "minute": 19, "second": 58}
